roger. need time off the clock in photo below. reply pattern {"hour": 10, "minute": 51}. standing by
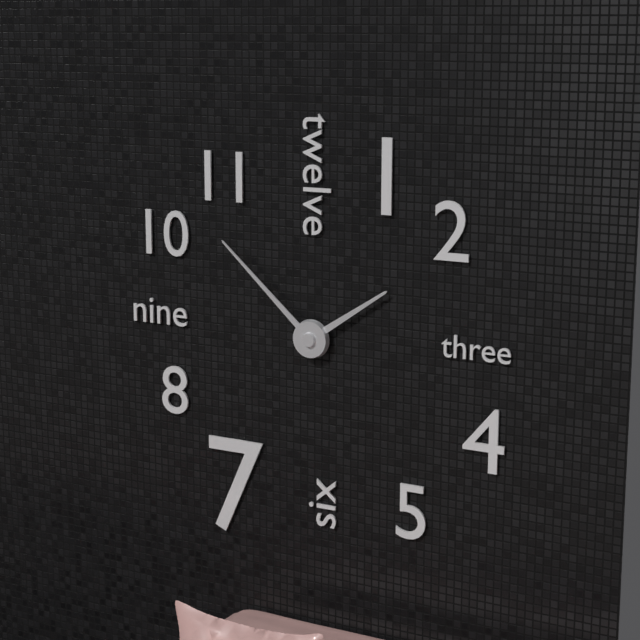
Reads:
{"hour": 1, "minute": 52}
